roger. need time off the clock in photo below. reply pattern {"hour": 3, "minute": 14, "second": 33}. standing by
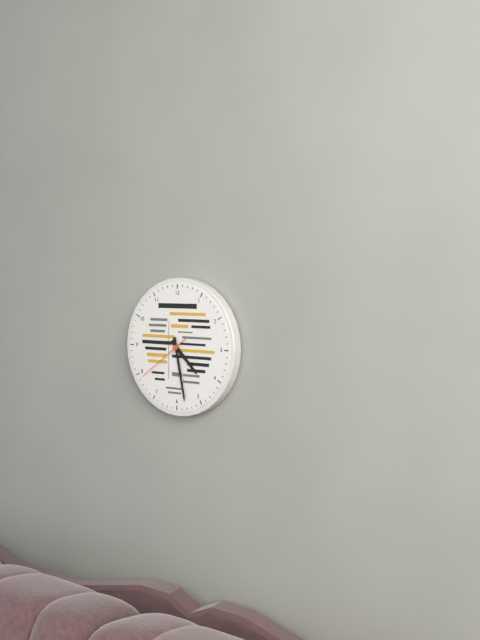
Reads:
{"hour": 4, "minute": 28, "second": 39}
